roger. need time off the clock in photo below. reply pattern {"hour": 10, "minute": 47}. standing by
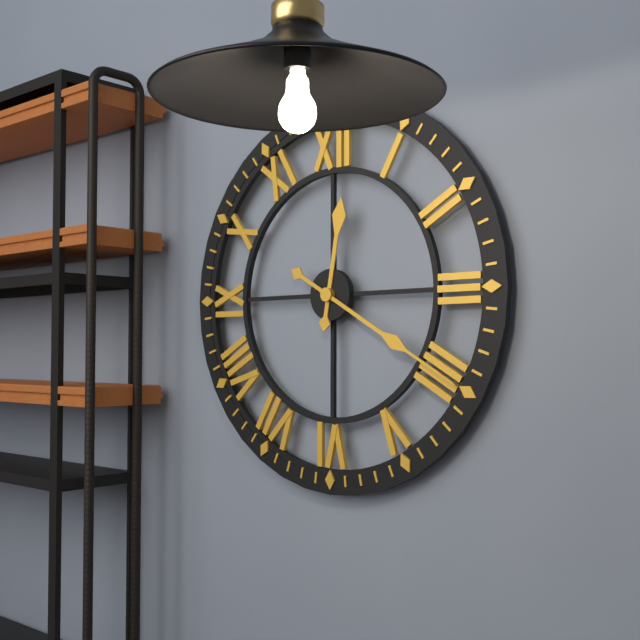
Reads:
{"hour": 12, "minute": 20}
